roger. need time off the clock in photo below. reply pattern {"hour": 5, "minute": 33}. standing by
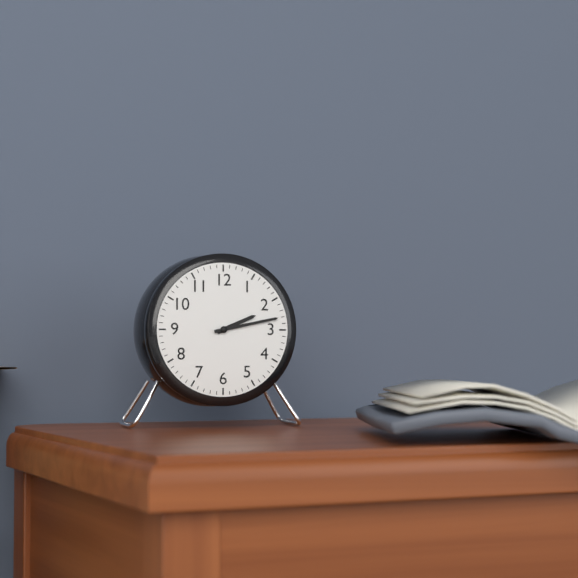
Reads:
{"hour": 2, "minute": 13}
